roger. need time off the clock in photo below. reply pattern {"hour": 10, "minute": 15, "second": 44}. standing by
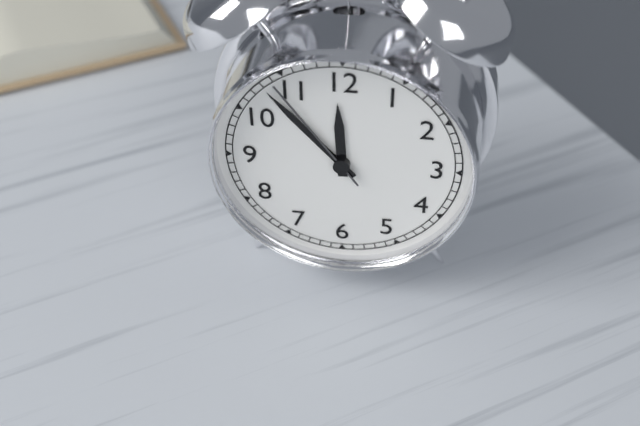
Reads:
{"hour": 11, "minute": 53, "second": 54}
